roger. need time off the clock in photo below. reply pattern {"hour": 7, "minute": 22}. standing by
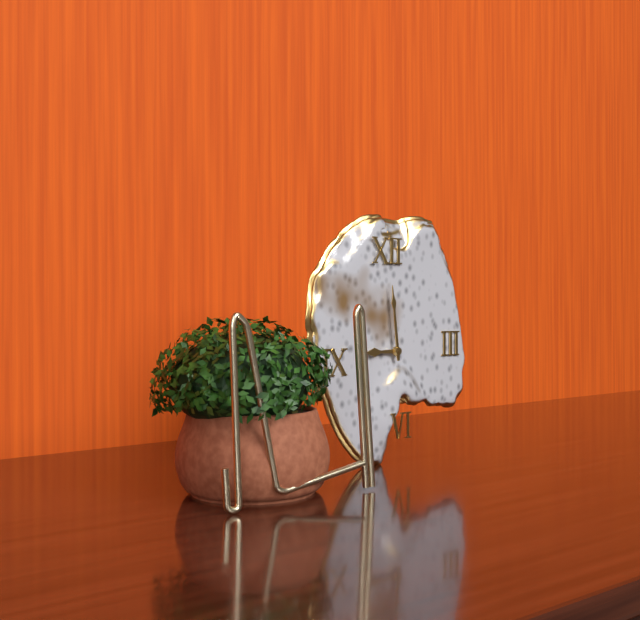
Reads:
{"hour": 8, "minute": 59}
